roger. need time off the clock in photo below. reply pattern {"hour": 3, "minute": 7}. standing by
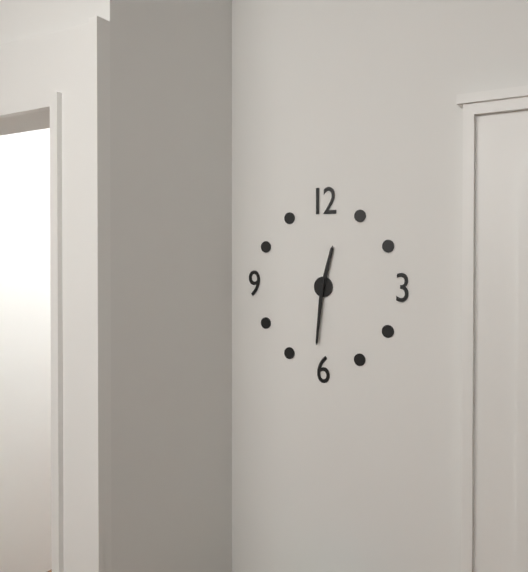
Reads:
{"hour": 12, "minute": 31}
